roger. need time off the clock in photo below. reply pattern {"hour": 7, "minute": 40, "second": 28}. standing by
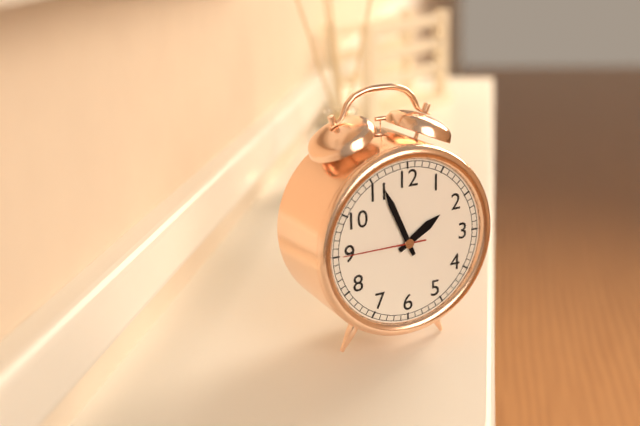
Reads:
{"hour": 1, "minute": 56, "second": 45}
